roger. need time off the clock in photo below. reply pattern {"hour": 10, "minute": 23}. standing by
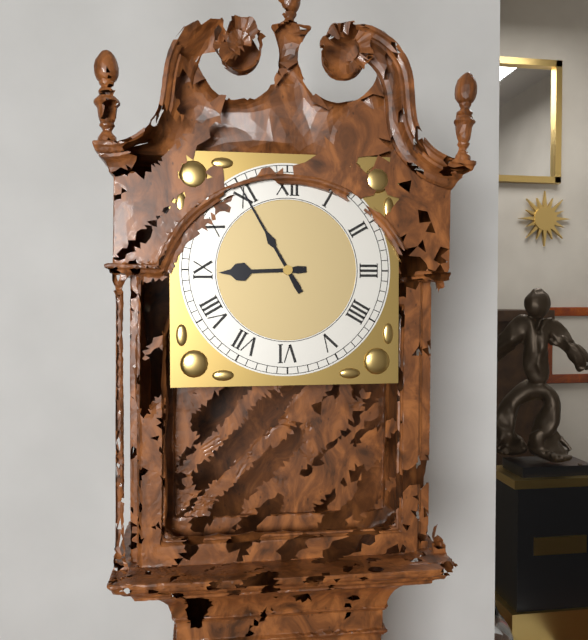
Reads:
{"hour": 8, "minute": 55}
